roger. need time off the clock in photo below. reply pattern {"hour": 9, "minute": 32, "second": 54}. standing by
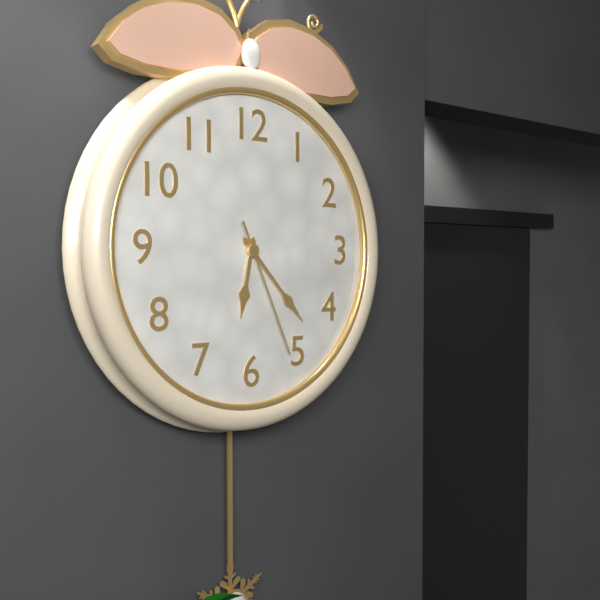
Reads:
{"hour": 6, "minute": 23, "second": 26}
